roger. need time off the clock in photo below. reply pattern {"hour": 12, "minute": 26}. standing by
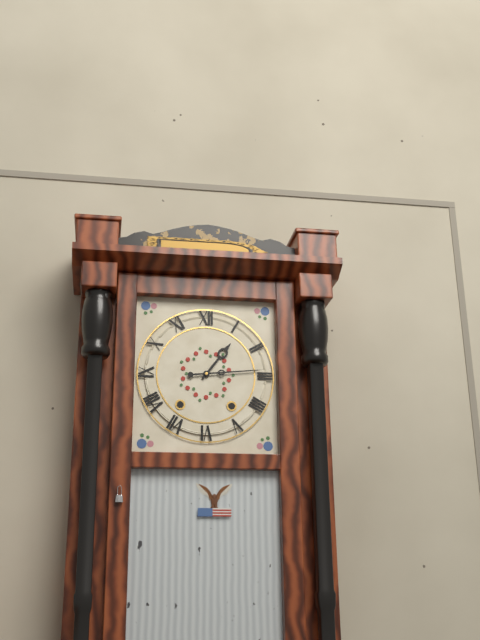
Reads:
{"hour": 1, "minute": 14}
